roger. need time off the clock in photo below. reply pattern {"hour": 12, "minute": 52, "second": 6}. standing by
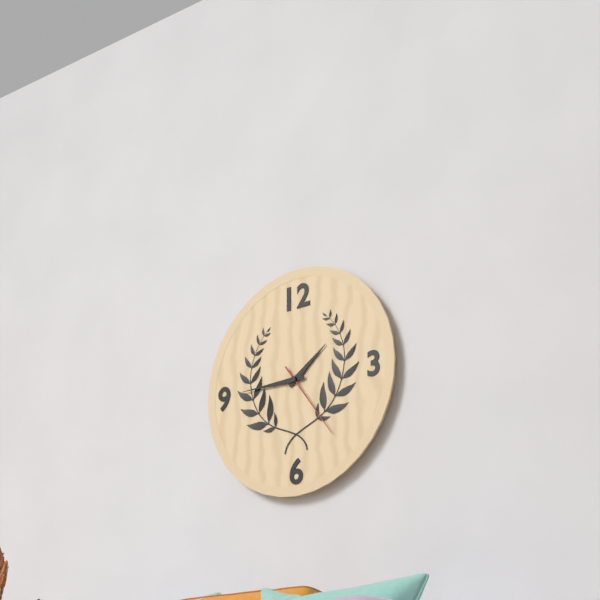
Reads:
{"hour": 1, "minute": 45, "second": 24}
